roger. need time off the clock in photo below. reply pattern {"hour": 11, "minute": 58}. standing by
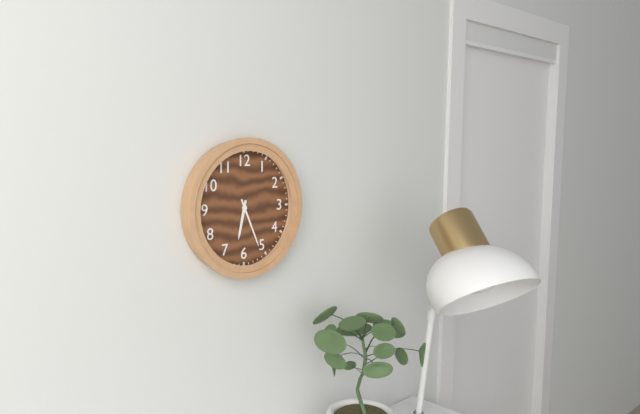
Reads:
{"hour": 6, "minute": 26}
